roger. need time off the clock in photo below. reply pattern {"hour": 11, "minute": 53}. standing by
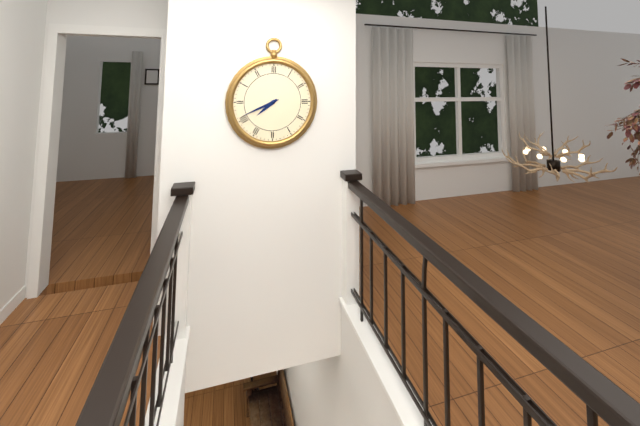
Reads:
{"hour": 7, "minute": 41}
